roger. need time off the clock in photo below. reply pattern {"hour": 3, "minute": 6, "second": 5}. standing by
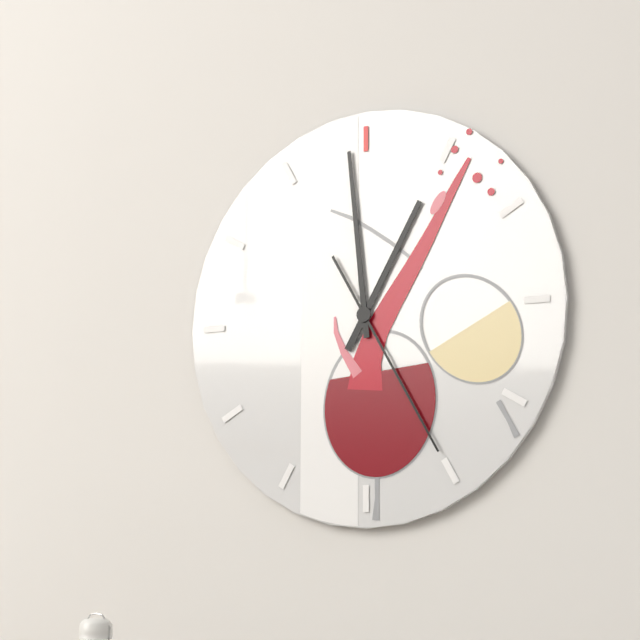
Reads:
{"hour": 12, "minute": 59, "second": 25}
